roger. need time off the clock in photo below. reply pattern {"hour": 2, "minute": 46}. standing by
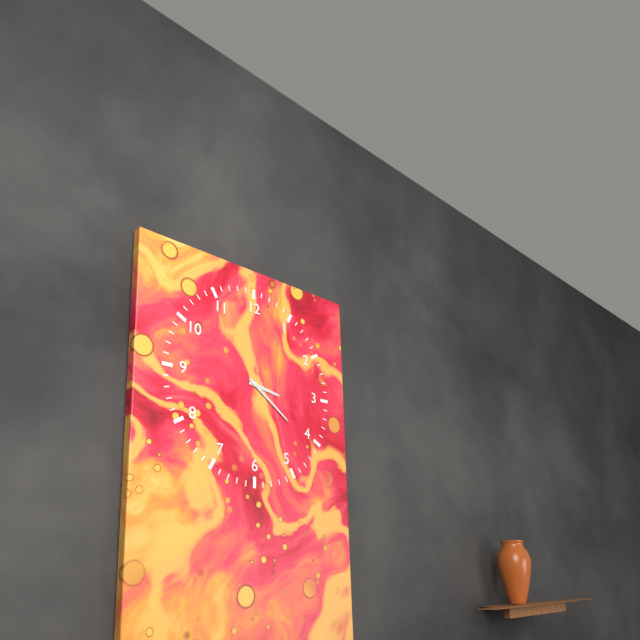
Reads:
{"hour": 3, "minute": 21}
